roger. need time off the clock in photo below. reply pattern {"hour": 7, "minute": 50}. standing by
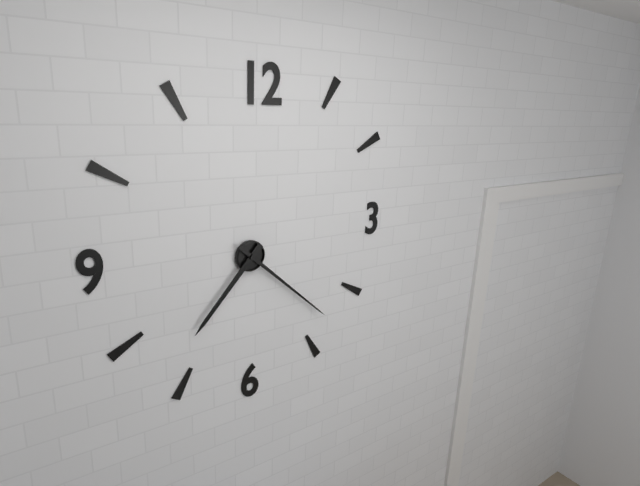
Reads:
{"hour": 7, "minute": 22}
